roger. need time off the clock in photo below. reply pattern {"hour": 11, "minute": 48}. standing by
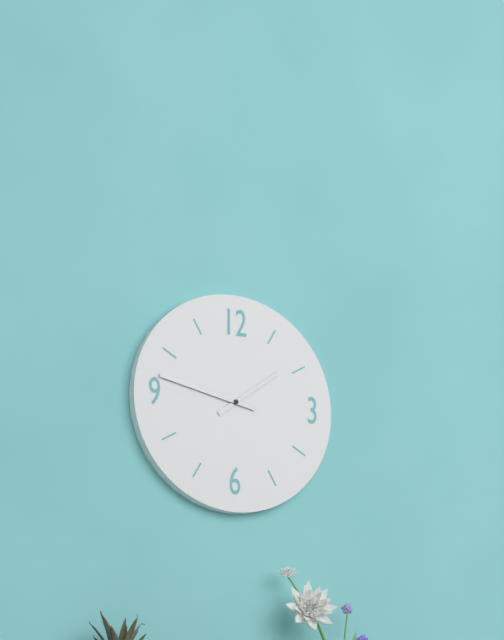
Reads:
{"hour": 1, "minute": 47}
